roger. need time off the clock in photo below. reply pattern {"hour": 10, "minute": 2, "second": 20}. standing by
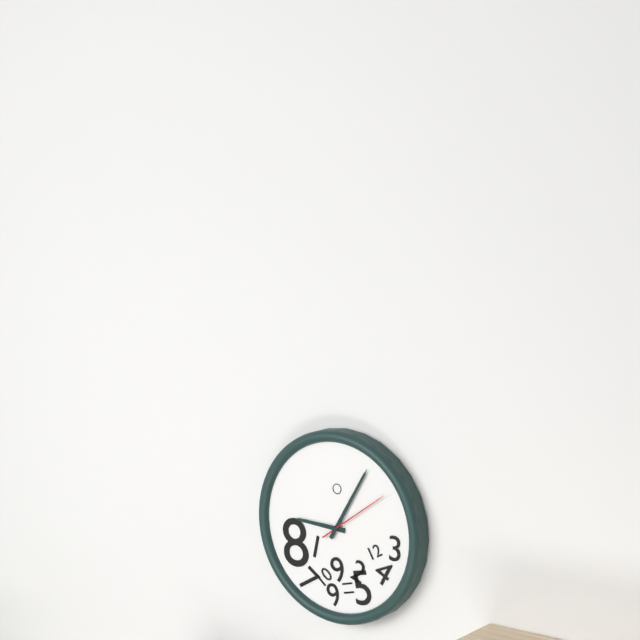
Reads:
{"hour": 9, "minute": 5, "second": 9}
